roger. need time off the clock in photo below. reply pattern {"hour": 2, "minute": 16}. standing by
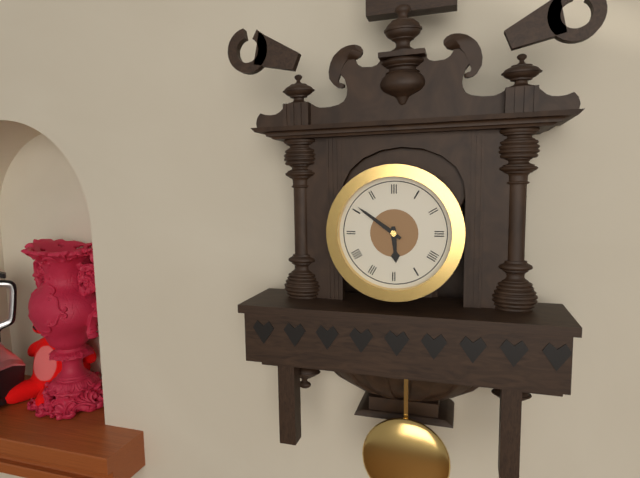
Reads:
{"hour": 5, "minute": 51}
